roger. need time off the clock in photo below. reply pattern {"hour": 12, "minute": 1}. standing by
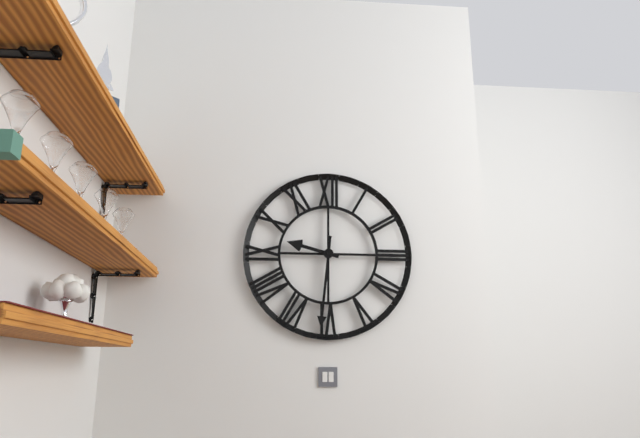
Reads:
{"hour": 9, "minute": 31}
